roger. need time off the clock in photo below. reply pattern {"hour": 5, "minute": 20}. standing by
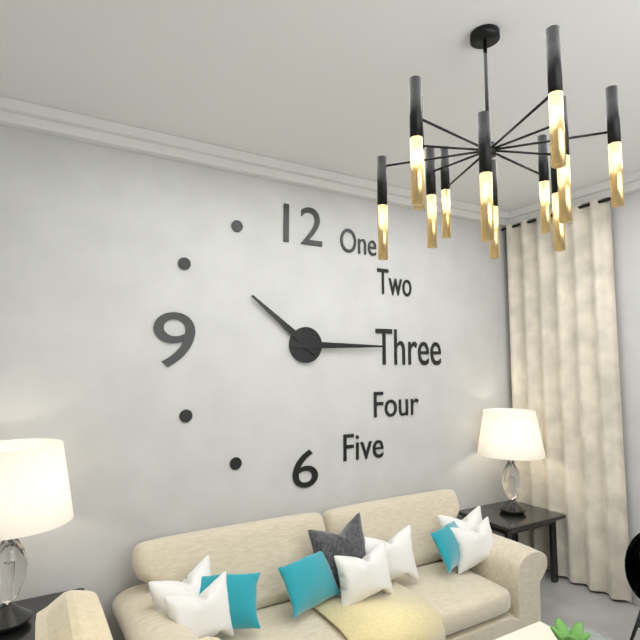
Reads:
{"hour": 10, "minute": 15}
